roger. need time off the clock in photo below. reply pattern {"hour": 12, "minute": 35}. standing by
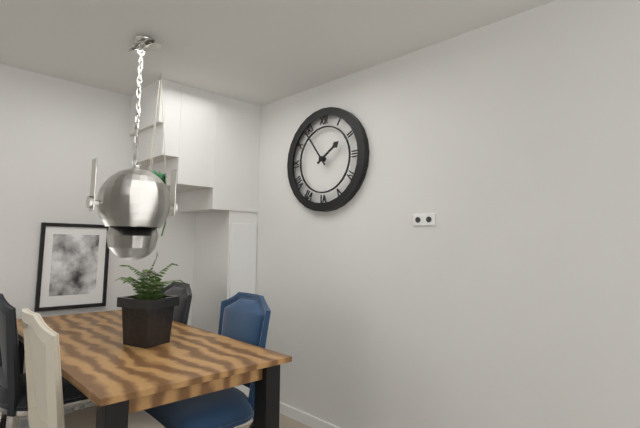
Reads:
{"hour": 1, "minute": 54}
